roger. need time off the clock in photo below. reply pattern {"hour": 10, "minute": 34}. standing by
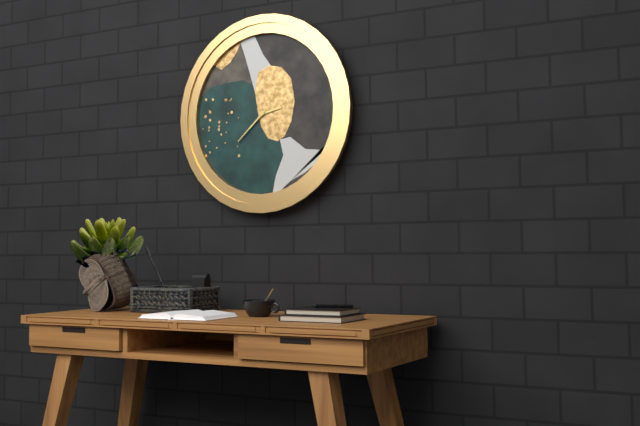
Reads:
{"hour": 2, "minute": 38}
